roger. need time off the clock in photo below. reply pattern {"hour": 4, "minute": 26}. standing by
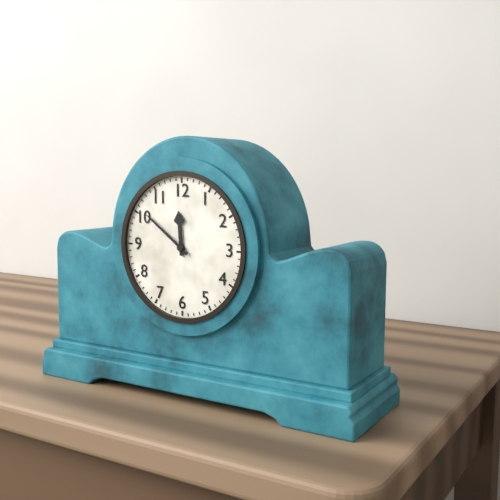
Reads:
{"hour": 11, "minute": 51}
